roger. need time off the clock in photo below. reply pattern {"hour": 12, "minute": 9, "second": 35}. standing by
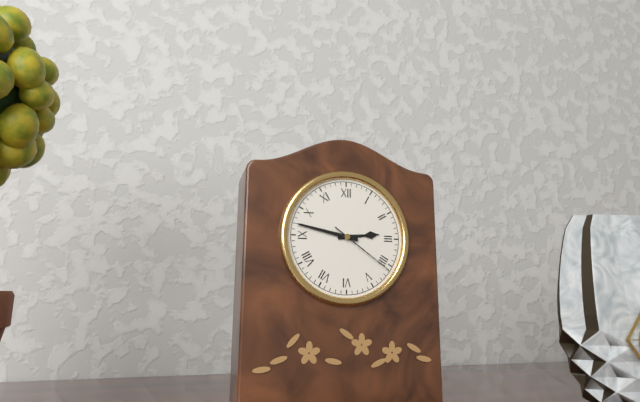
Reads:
{"hour": 2, "minute": 47, "second": 21}
